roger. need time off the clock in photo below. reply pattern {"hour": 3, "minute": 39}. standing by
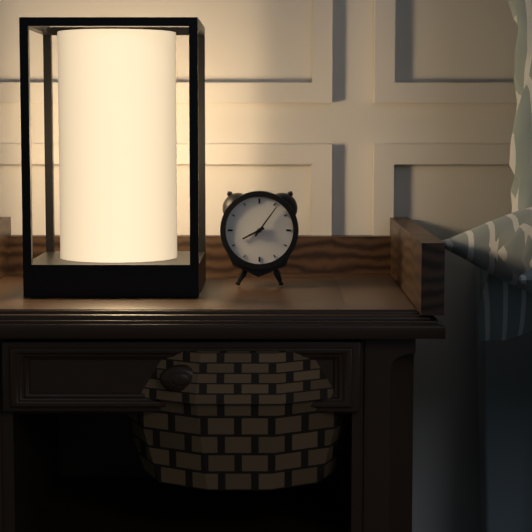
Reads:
{"hour": 8, "minute": 6}
